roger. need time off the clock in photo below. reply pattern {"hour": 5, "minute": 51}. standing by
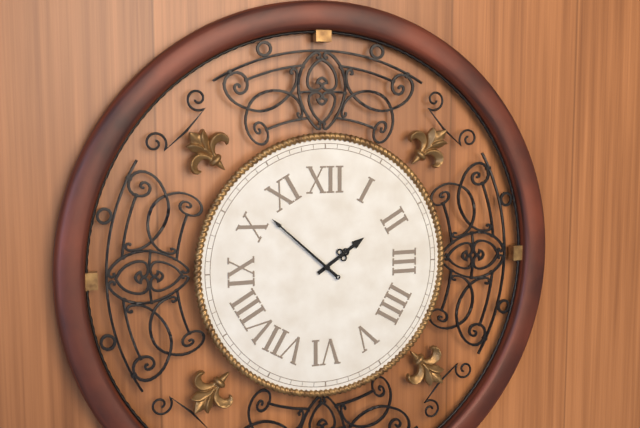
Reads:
{"hour": 1, "minute": 52}
